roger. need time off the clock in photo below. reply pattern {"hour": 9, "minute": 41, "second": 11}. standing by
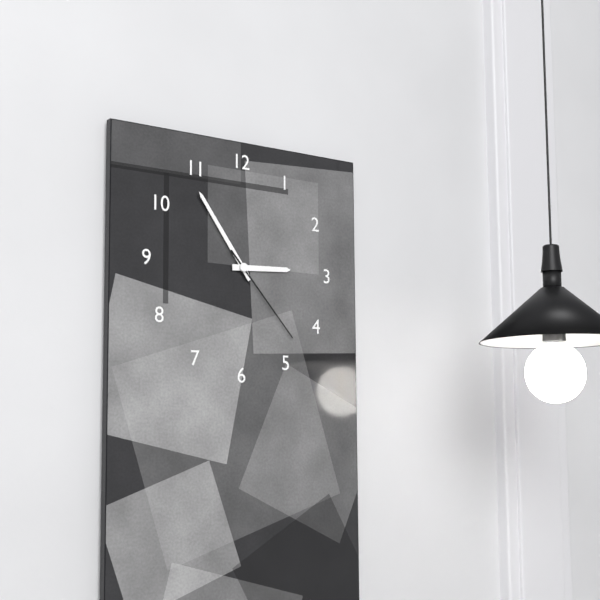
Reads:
{"hour": 2, "minute": 54, "second": 23}
